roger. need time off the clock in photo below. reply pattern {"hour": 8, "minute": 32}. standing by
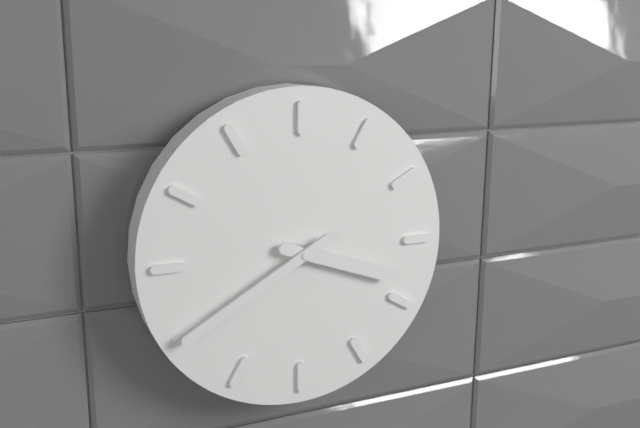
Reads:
{"hour": 3, "minute": 40}
